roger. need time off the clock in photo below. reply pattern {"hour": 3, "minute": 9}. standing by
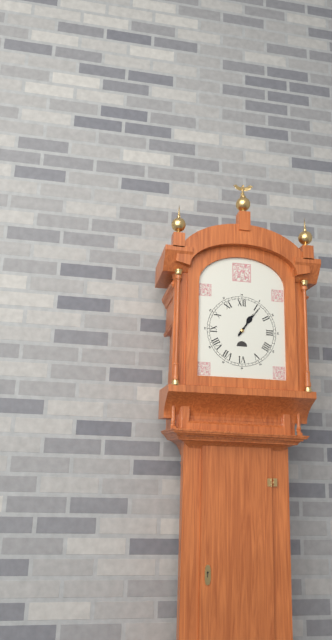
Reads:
{"hour": 1, "minute": 6}
